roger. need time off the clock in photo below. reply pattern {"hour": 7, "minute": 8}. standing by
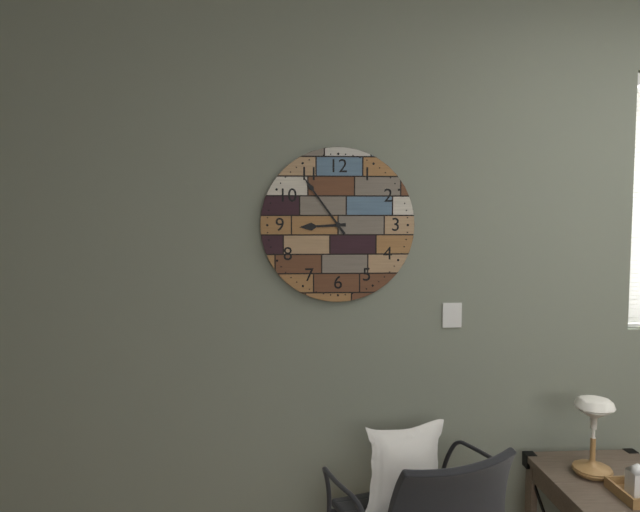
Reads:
{"hour": 8, "minute": 54}
